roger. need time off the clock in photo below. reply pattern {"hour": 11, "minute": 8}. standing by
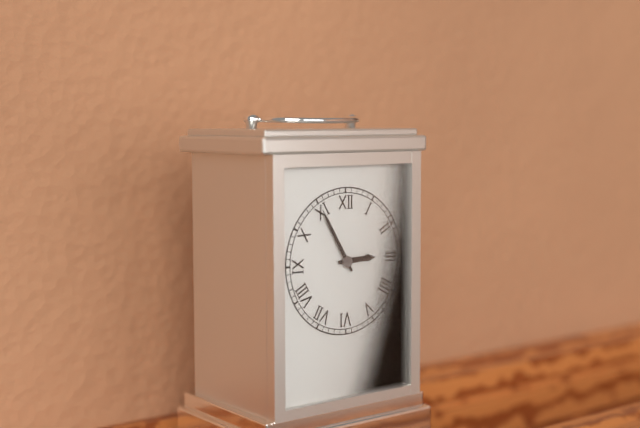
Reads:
{"hour": 2, "minute": 55}
